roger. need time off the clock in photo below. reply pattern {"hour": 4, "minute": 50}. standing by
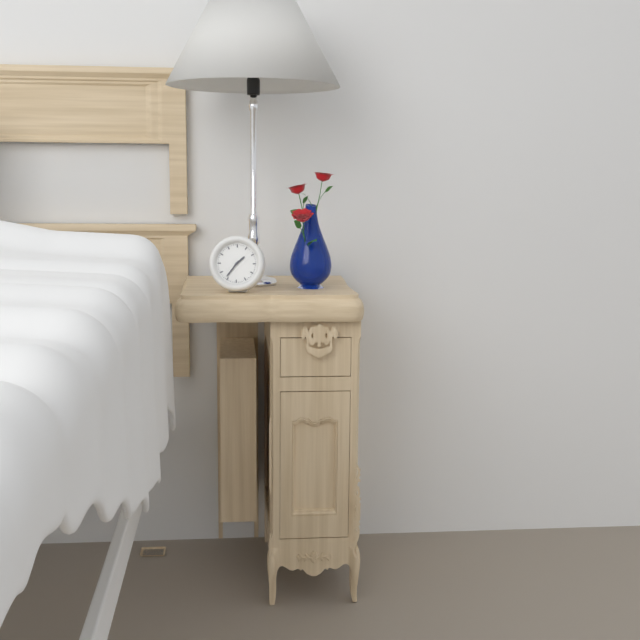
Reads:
{"hour": 1, "minute": 36}
